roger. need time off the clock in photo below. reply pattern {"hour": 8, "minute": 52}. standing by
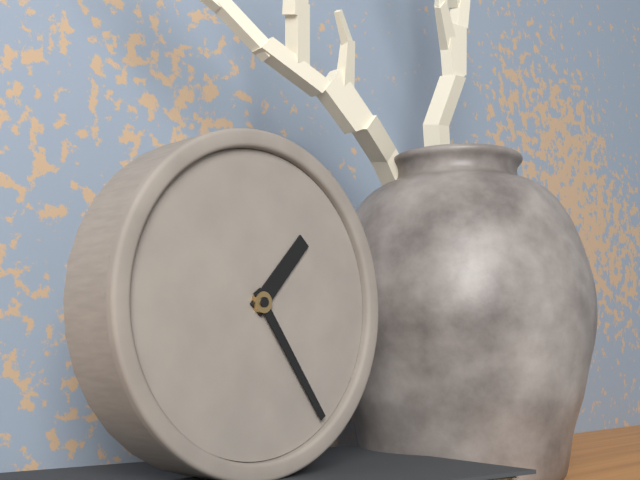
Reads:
{"hour": 1, "minute": 24}
